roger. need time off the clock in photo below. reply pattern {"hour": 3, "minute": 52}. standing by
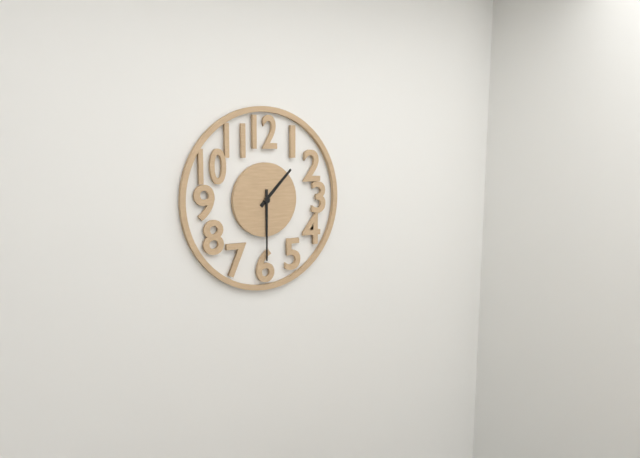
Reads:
{"hour": 1, "minute": 30}
